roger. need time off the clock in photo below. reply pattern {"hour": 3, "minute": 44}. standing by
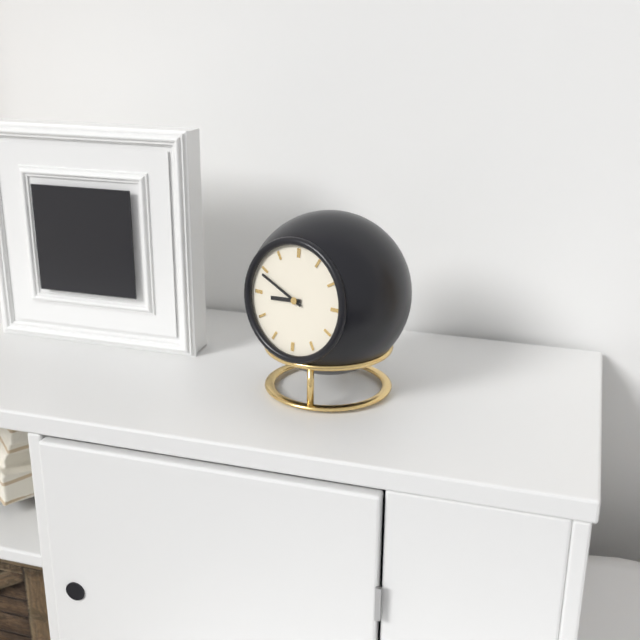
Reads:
{"hour": 8, "minute": 49}
